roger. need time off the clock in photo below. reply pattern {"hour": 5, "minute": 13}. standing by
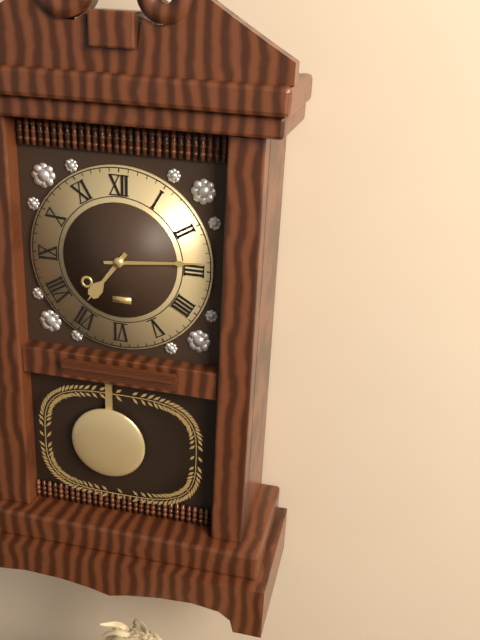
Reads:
{"hour": 7, "minute": 14}
